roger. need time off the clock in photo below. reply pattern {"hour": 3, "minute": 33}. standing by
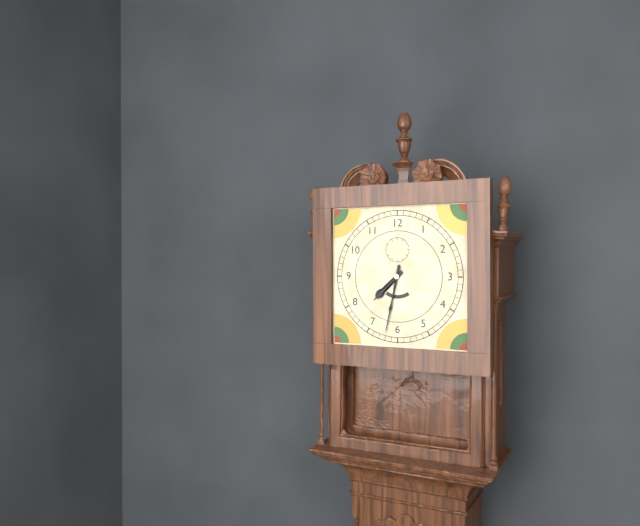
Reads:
{"hour": 7, "minute": 32}
